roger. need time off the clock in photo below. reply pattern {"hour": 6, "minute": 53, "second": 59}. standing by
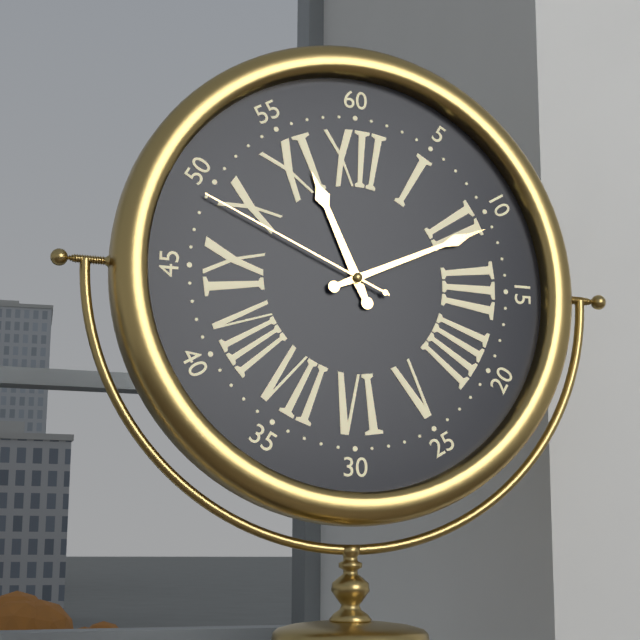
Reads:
{"hour": 11, "minute": 11, "second": 49}
